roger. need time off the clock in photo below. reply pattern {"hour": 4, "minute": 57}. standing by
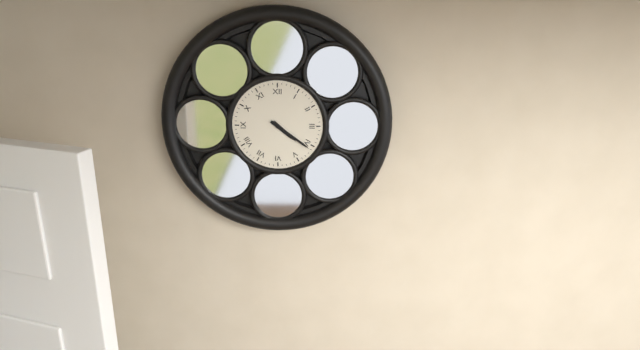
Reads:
{"hour": 4, "minute": 21}
